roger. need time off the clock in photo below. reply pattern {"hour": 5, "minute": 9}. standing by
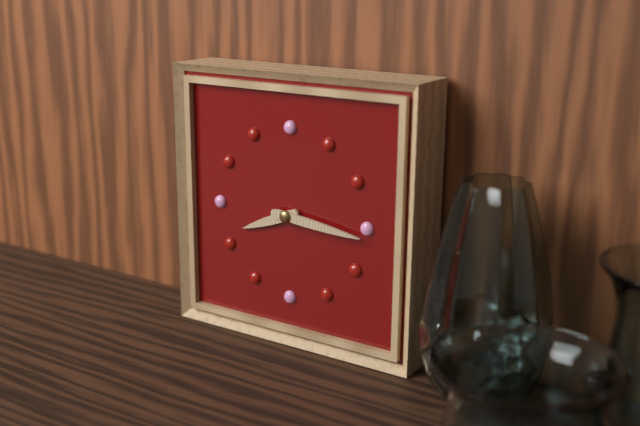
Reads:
{"hour": 8, "minute": 16}
